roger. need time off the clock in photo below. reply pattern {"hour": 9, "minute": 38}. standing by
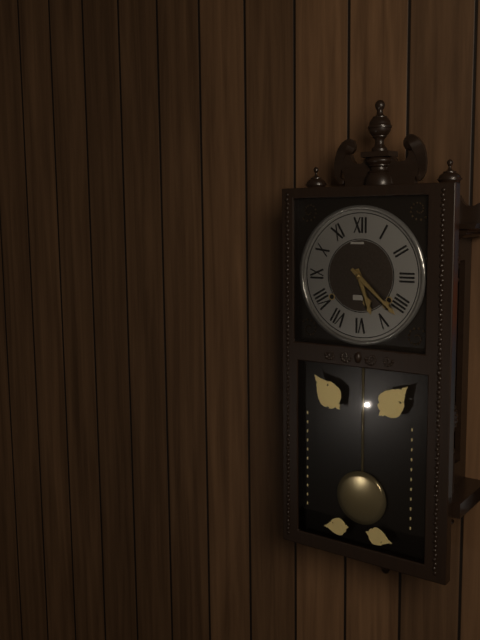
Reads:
{"hour": 5, "minute": 22}
